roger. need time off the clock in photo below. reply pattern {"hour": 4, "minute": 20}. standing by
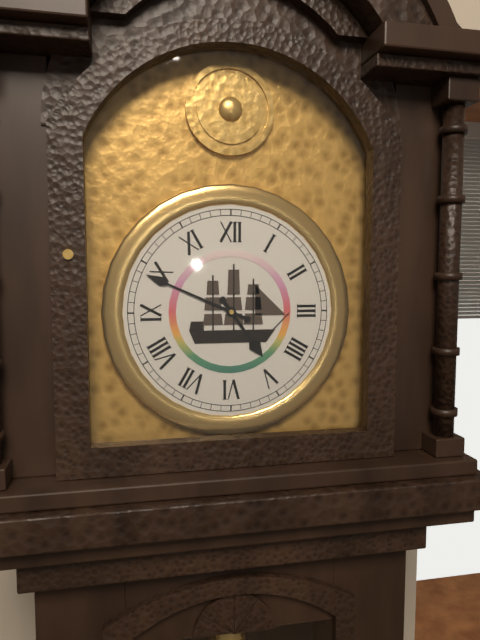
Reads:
{"hour": 4, "minute": 49}
